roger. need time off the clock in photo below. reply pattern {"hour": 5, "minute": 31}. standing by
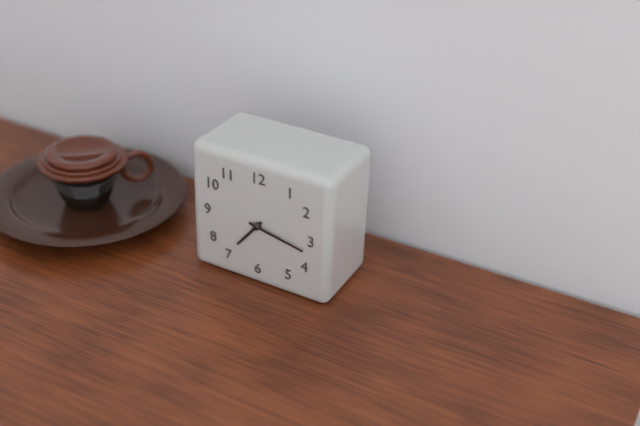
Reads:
{"hour": 7, "minute": 17}
